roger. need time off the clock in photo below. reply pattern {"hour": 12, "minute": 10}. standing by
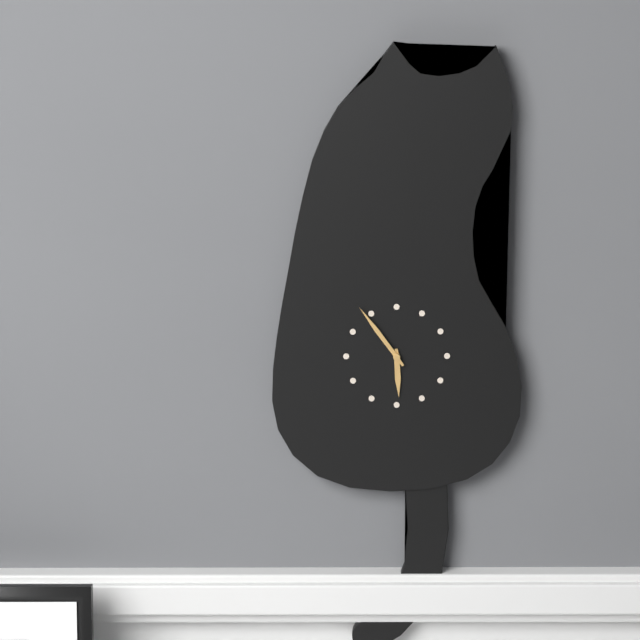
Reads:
{"hour": 5, "minute": 54}
